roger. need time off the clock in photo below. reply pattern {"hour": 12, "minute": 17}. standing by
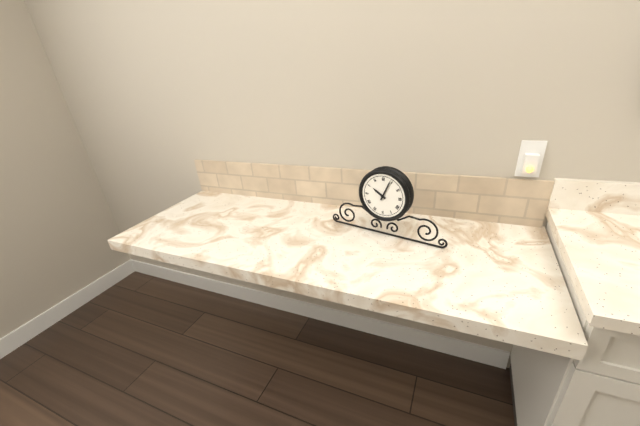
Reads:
{"hour": 10, "minute": 4}
